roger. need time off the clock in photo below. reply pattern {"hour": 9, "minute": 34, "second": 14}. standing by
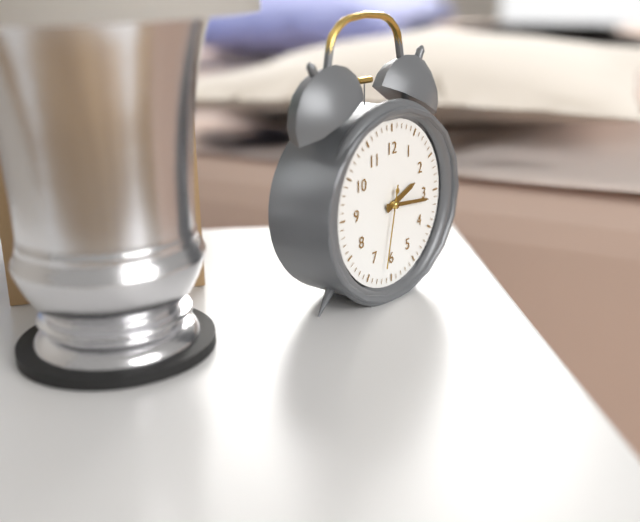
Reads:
{"hour": 2, "minute": 16, "second": 32}
